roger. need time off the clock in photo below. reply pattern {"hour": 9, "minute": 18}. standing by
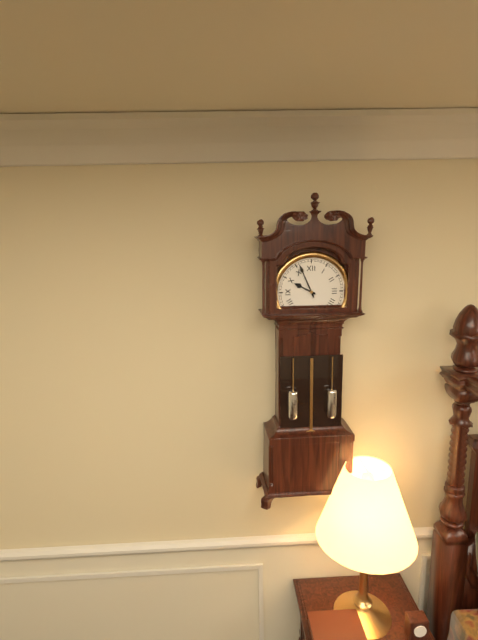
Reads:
{"hour": 9, "minute": 56}
